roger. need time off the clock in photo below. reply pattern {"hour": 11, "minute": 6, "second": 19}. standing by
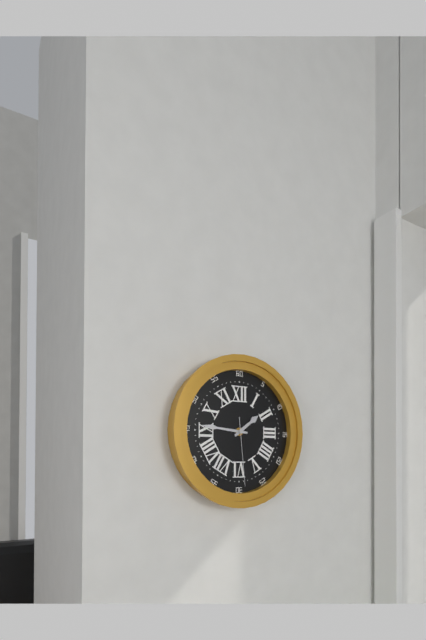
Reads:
{"hour": 1, "minute": 46, "second": 29}
